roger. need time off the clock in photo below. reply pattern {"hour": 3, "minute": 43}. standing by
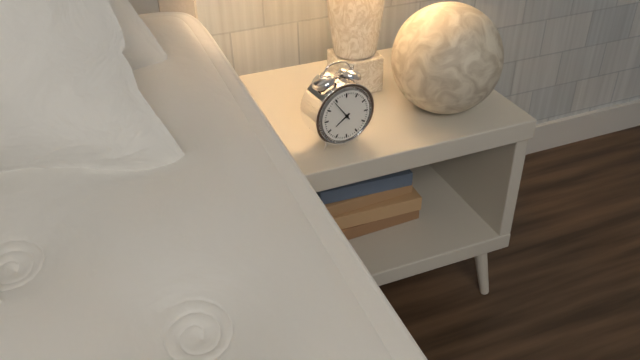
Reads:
{"hour": 7, "minute": 54}
